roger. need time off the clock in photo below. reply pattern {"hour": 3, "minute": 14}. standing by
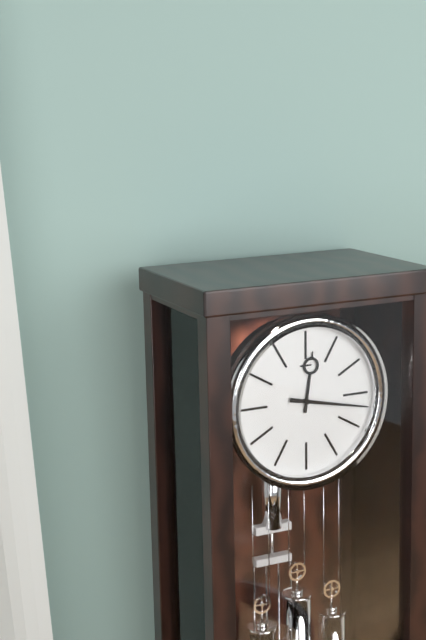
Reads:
{"hour": 12, "minute": 17}
